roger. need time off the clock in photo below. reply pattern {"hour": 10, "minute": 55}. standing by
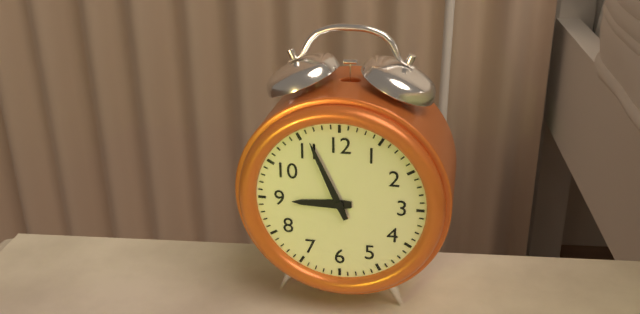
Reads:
{"hour": 8, "minute": 56}
